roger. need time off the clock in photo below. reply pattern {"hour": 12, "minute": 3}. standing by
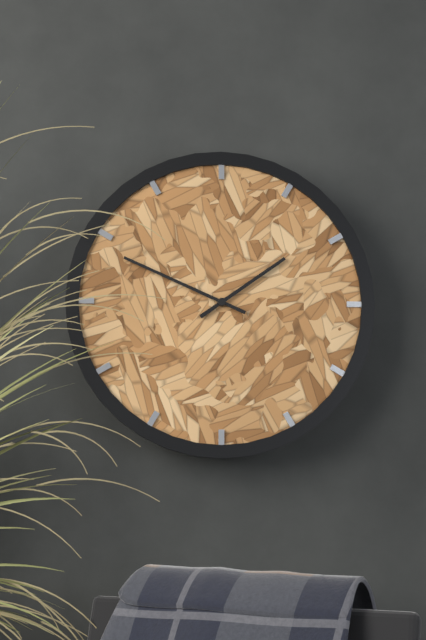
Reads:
{"hour": 1, "minute": 49}
